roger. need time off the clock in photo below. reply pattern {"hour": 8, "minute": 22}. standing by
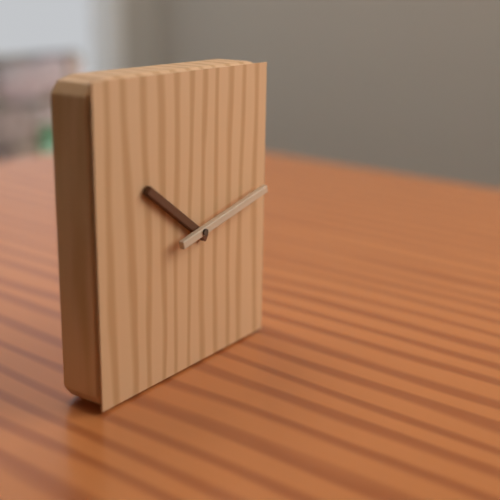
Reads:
{"hour": 10, "minute": 13}
